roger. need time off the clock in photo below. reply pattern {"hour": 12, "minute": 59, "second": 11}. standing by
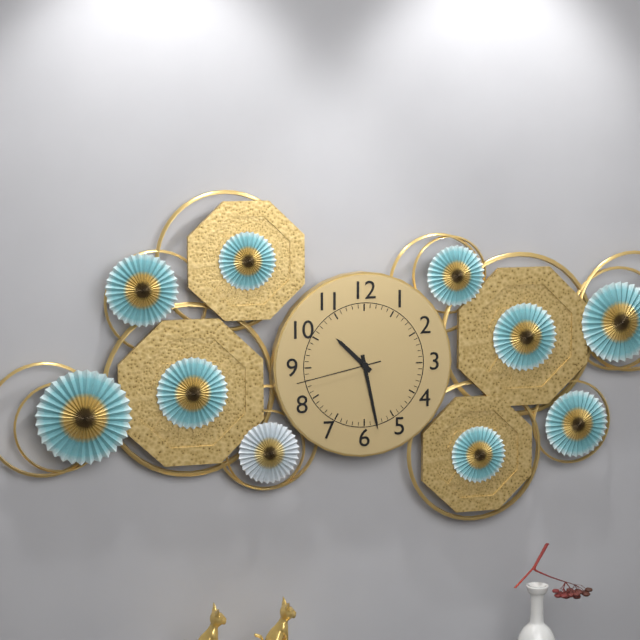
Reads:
{"hour": 10, "minute": 28, "second": 43}
